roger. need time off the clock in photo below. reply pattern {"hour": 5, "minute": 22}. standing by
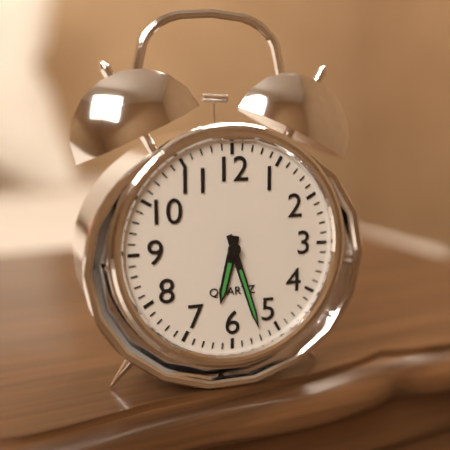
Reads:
{"hour": 6, "minute": 27}
